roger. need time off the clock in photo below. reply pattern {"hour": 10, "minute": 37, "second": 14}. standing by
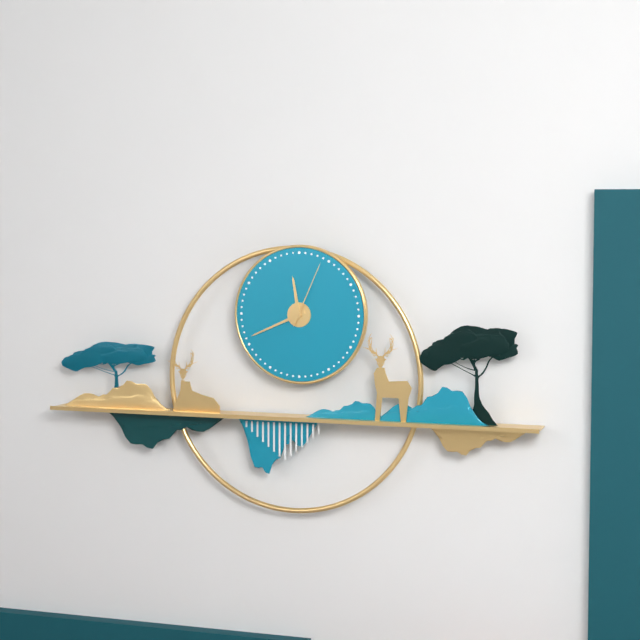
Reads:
{"hour": 11, "minute": 41, "second": 4}
